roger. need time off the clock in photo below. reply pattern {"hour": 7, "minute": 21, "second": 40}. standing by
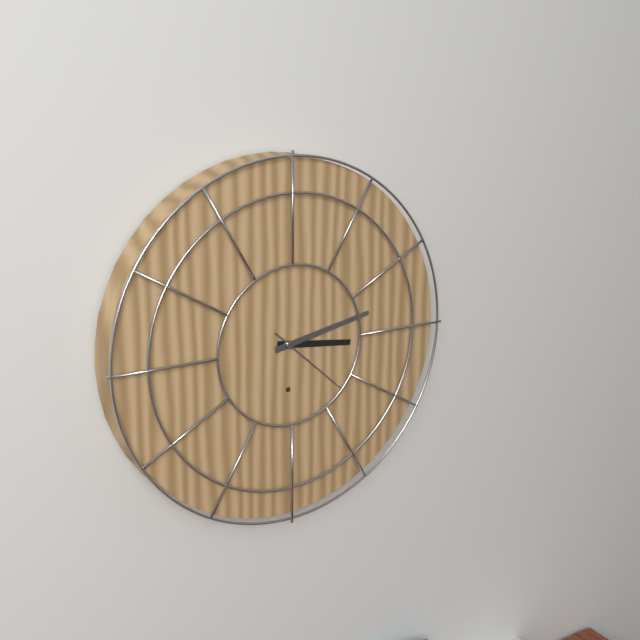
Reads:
{"hour": 3, "minute": 13, "second": 22}
